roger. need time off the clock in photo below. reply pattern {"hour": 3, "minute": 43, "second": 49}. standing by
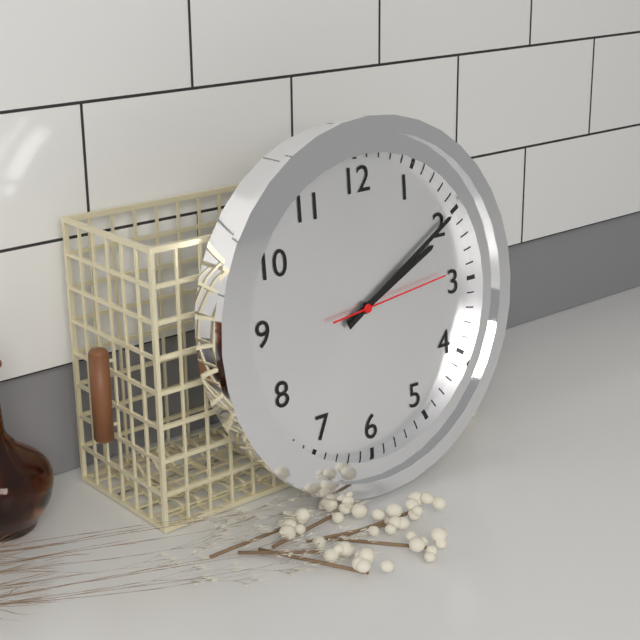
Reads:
{"hour": 2, "minute": 10, "second": 14}
